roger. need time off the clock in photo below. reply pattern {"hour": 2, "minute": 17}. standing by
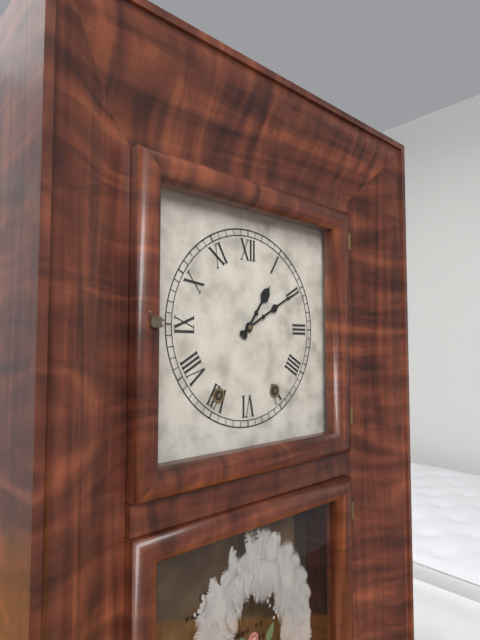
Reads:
{"hour": 1, "minute": 10}
